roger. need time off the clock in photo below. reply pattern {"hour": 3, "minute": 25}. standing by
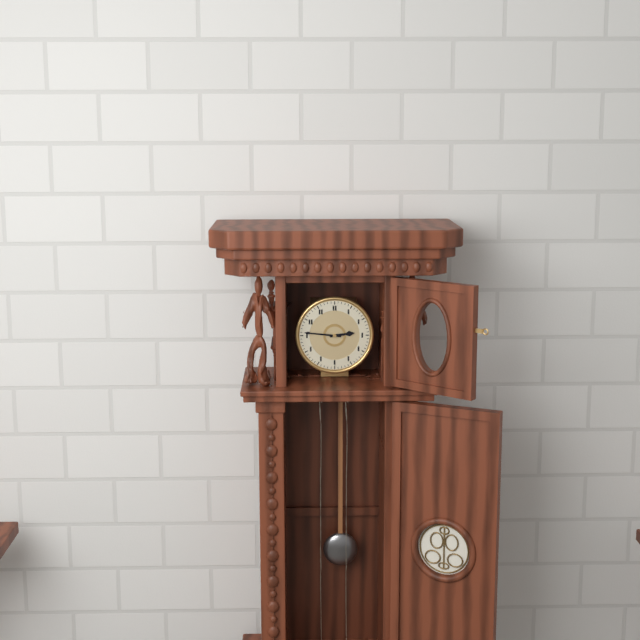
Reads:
{"hour": 2, "minute": 46}
